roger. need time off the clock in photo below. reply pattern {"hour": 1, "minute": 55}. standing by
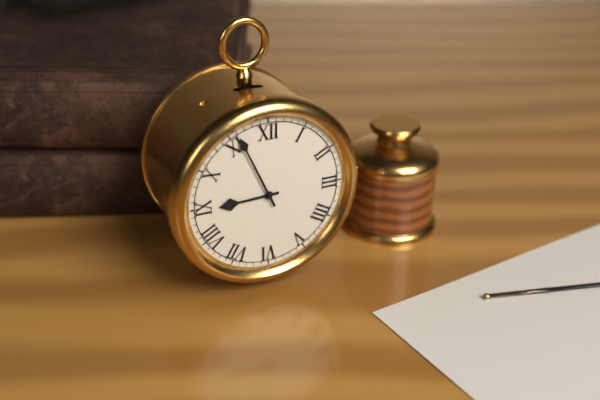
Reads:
{"hour": 8, "minute": 56}
